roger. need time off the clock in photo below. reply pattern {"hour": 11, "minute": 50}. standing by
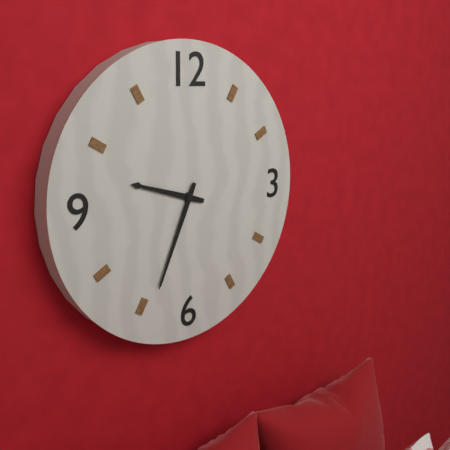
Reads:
{"hour": 9, "minute": 34}
